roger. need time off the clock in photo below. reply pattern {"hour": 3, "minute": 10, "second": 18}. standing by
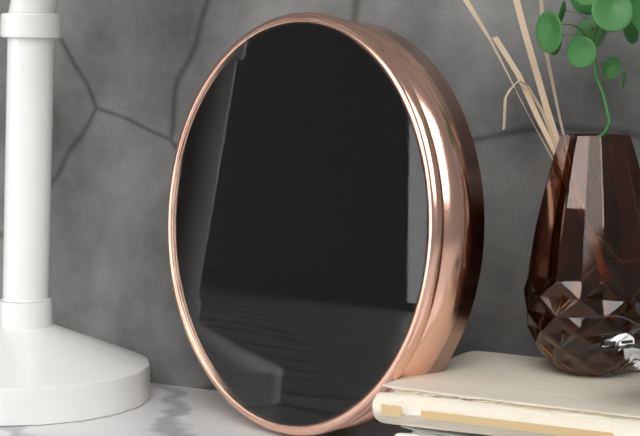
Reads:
{"hour": 8, "minute": 51, "second": 30}
